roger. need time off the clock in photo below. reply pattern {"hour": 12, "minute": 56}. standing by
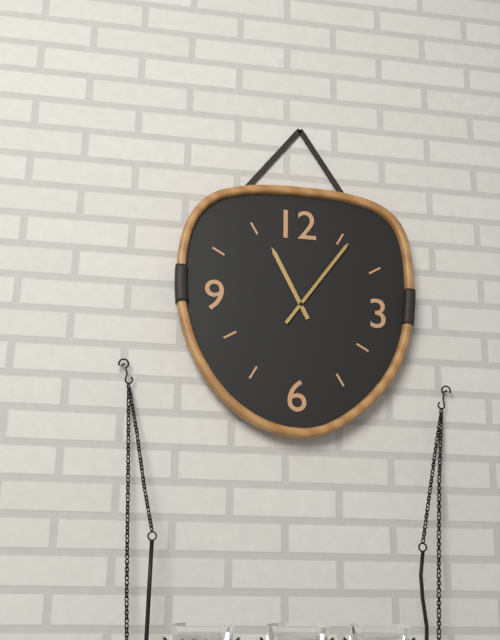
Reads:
{"hour": 11, "minute": 6}
